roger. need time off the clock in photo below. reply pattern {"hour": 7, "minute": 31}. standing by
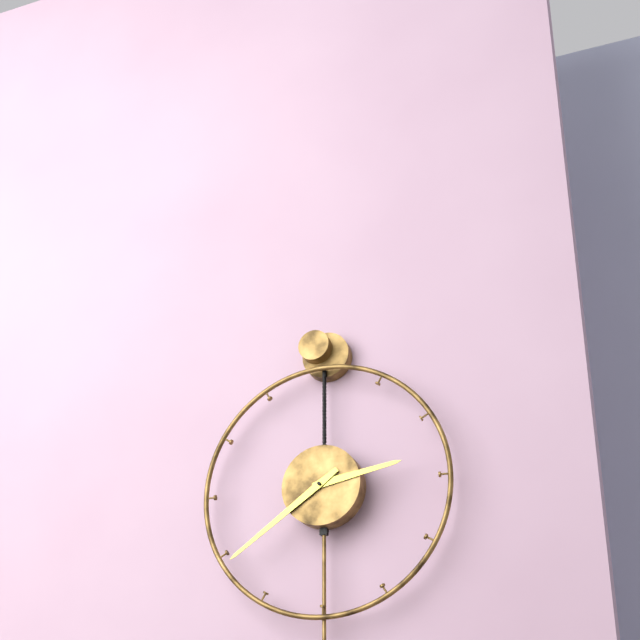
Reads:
{"hour": 2, "minute": 39}
